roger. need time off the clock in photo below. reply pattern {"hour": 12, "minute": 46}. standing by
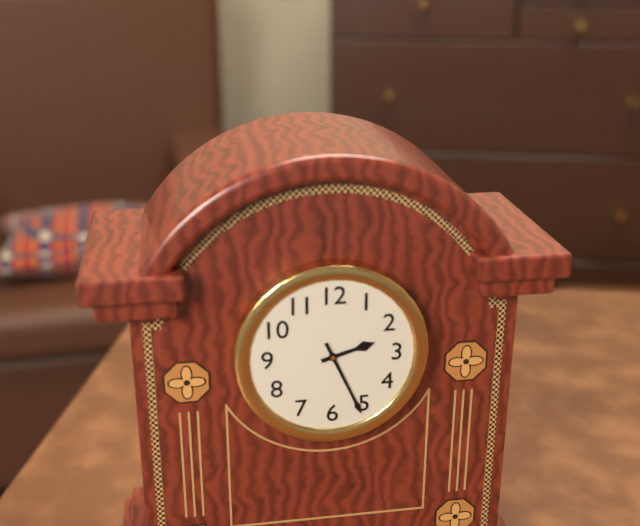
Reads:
{"hour": 2, "minute": 26}
